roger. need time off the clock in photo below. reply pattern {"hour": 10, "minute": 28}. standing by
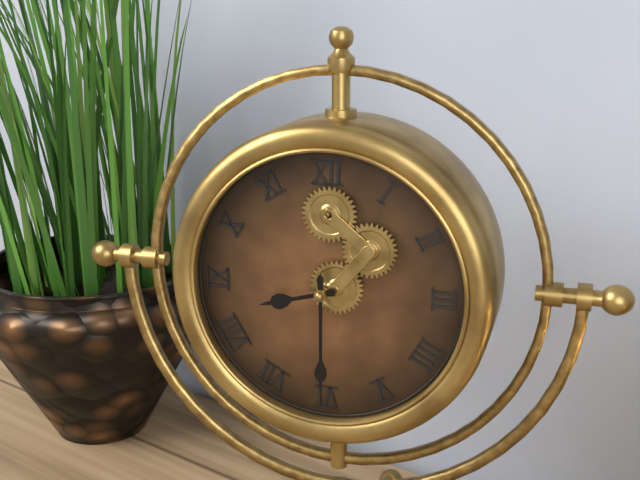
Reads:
{"hour": 8, "minute": 30}
